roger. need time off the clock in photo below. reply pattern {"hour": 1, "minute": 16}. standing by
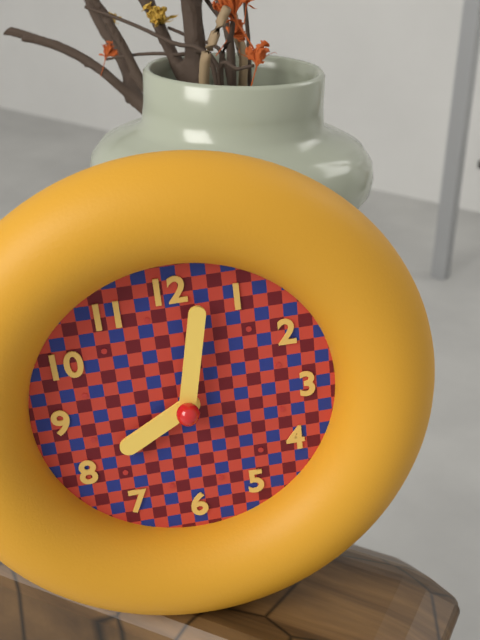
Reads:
{"hour": 8, "minute": 2}
